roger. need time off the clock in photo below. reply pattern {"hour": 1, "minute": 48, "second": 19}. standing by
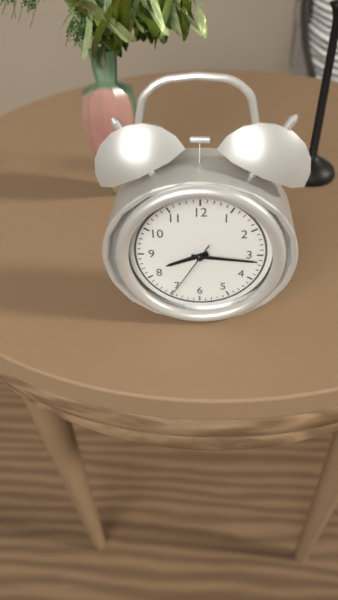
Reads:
{"hour": 8, "minute": 16, "second": 35}
